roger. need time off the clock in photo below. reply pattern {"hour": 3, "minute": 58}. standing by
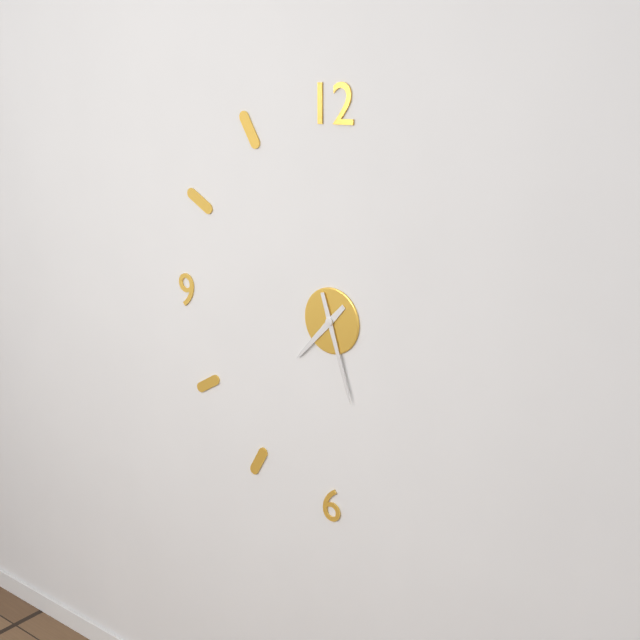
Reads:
{"hour": 7, "minute": 27}
